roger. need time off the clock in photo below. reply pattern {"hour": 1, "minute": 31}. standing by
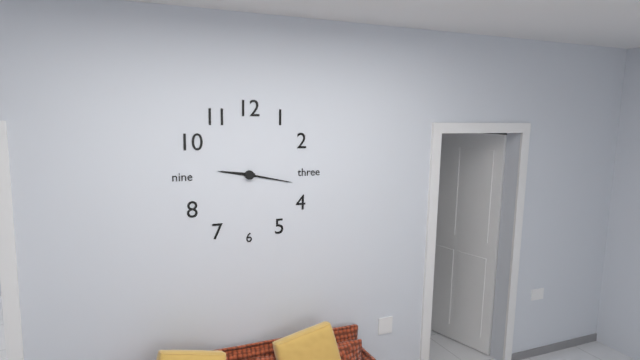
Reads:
{"hour": 9, "minute": 17}
